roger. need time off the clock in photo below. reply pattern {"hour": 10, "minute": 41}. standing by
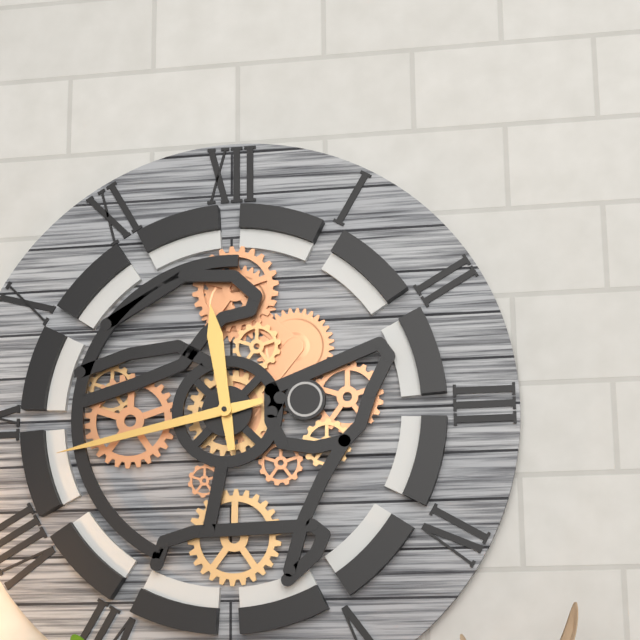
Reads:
{"hour": 11, "minute": 43}
